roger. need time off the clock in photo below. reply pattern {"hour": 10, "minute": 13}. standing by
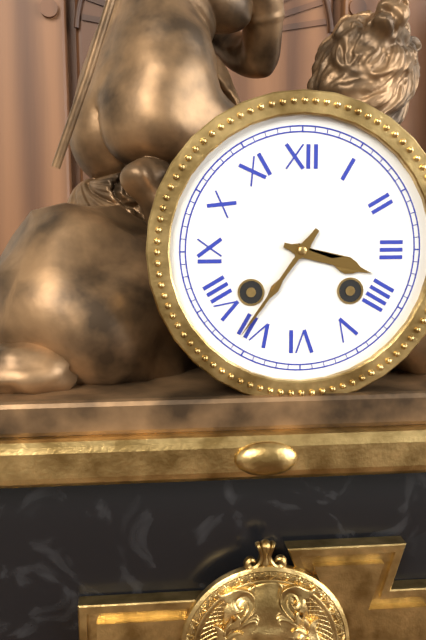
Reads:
{"hour": 3, "minute": 36}
